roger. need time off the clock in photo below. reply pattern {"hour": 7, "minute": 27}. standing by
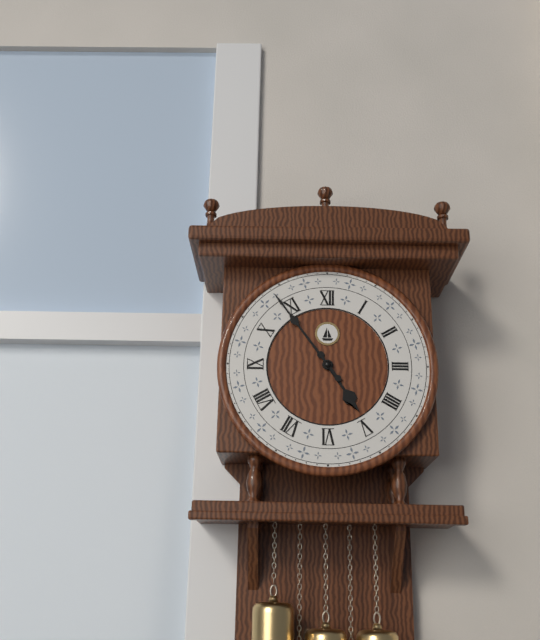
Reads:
{"hour": 4, "minute": 54}
